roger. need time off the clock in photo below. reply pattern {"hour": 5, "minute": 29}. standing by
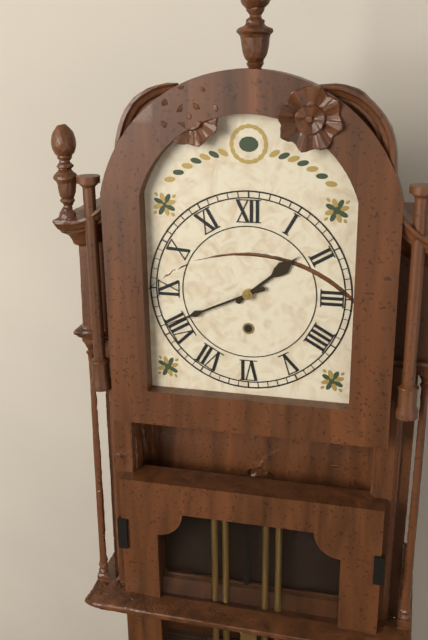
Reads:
{"hour": 1, "minute": 41}
